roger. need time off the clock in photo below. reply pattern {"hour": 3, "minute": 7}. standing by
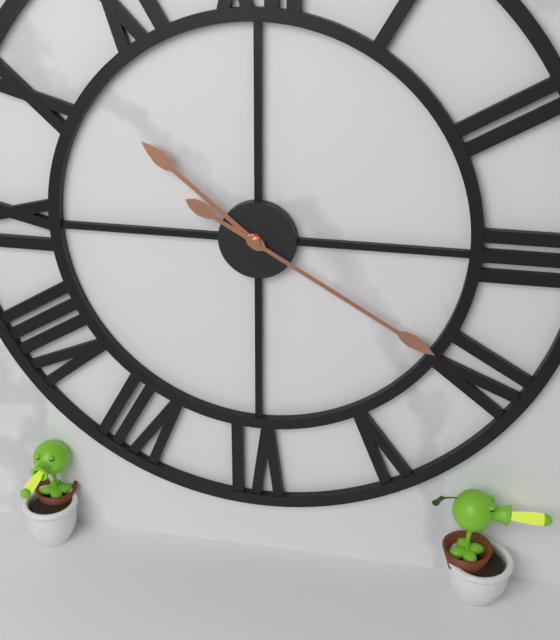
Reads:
{"hour": 10, "minute": 20}
